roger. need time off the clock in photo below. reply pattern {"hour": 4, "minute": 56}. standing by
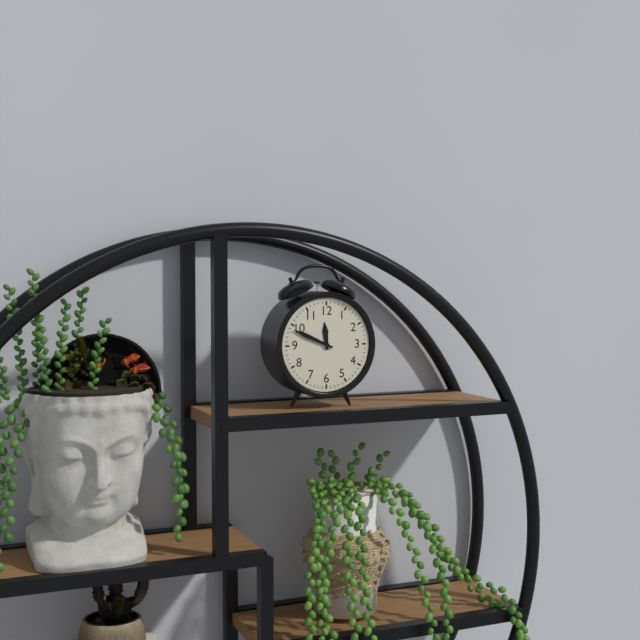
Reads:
{"hour": 11, "minute": 49}
